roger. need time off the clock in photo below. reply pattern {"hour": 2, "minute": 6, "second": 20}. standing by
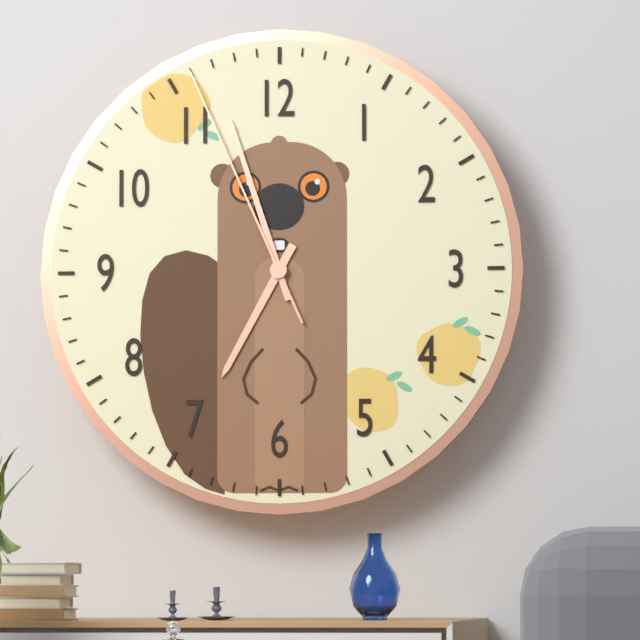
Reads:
{"hour": 6, "minute": 57, "second": 56}
